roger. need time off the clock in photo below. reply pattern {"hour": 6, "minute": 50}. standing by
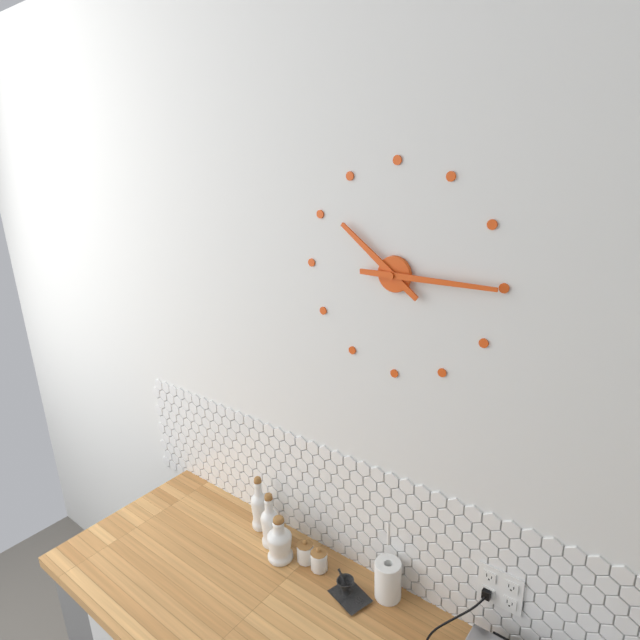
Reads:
{"hour": 10, "minute": 15}
